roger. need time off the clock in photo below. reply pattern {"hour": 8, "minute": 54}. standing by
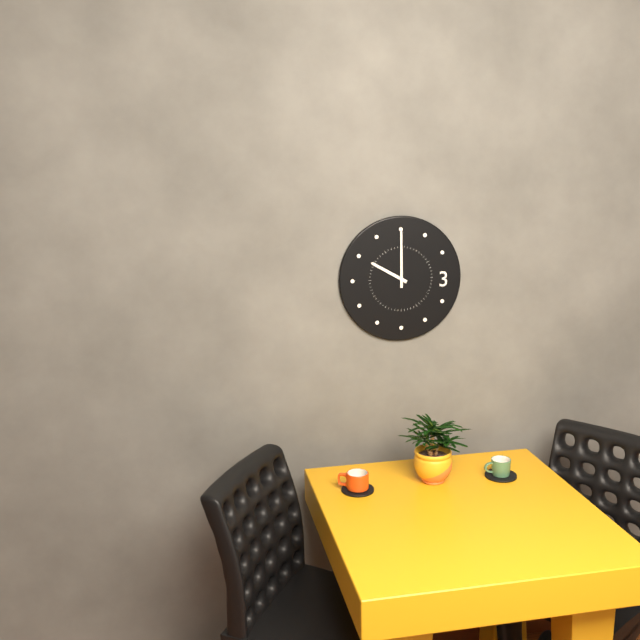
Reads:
{"hour": 10, "minute": 0}
